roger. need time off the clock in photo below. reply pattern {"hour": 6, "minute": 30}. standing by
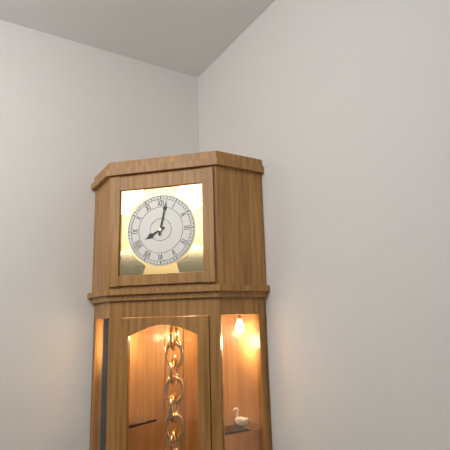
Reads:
{"hour": 8, "minute": 2}
